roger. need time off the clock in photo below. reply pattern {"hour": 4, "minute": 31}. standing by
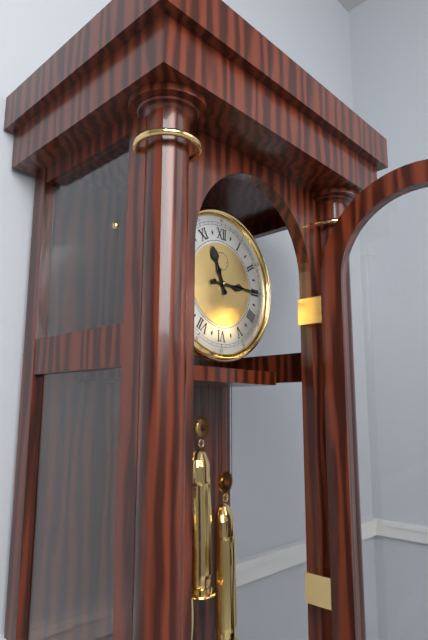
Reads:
{"hour": 11, "minute": 15}
